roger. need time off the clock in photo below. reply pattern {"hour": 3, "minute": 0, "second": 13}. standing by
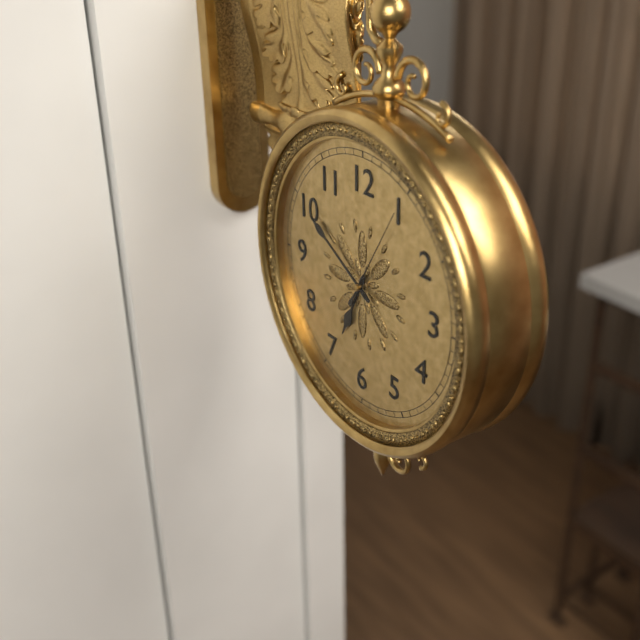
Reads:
{"hour": 6, "minute": 50, "second": 5}
